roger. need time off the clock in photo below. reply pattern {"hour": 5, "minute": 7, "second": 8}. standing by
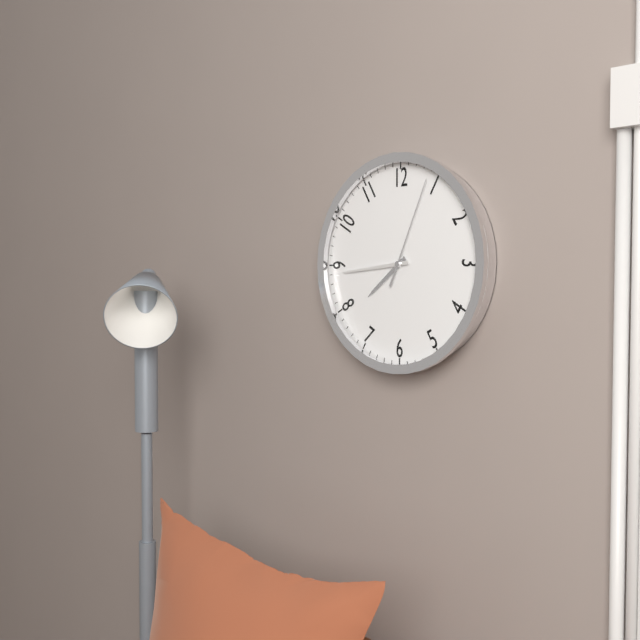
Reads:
{"hour": 7, "minute": 44, "second": 4}
